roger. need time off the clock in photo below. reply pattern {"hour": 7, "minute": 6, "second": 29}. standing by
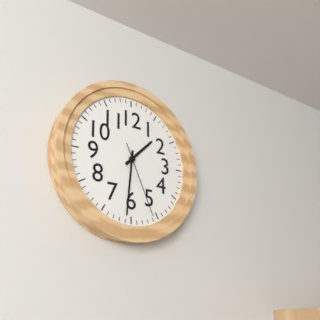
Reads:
{"hour": 1, "minute": 31, "second": 26}
